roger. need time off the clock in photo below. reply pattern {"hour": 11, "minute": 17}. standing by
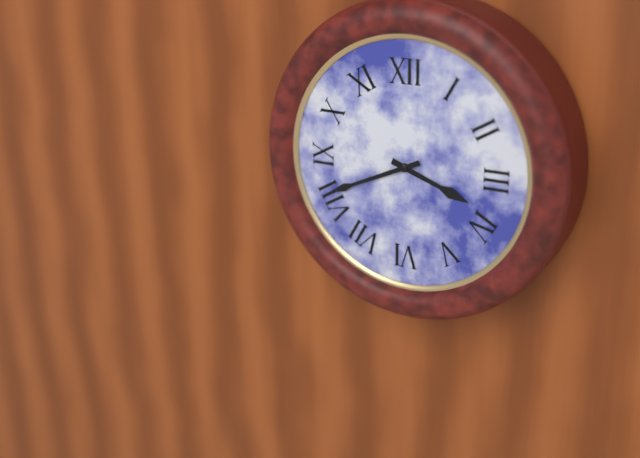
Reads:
{"hour": 3, "minute": 41}
